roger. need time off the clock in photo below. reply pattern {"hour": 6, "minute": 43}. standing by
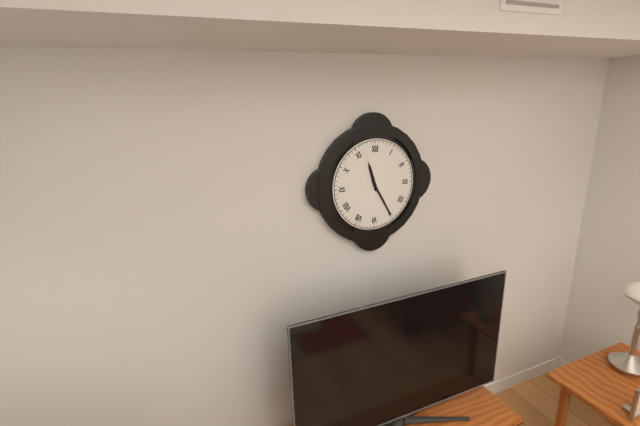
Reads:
{"hour": 11, "minute": 25}
